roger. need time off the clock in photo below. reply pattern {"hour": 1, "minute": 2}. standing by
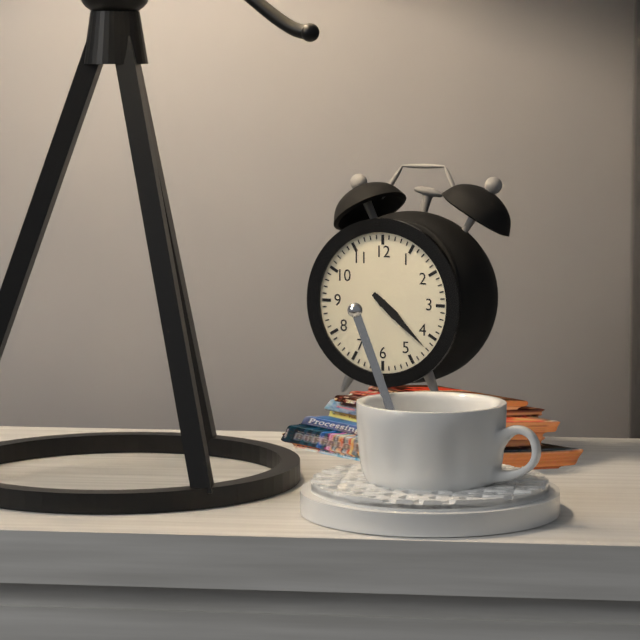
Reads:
{"hour": 4, "minute": 22}
